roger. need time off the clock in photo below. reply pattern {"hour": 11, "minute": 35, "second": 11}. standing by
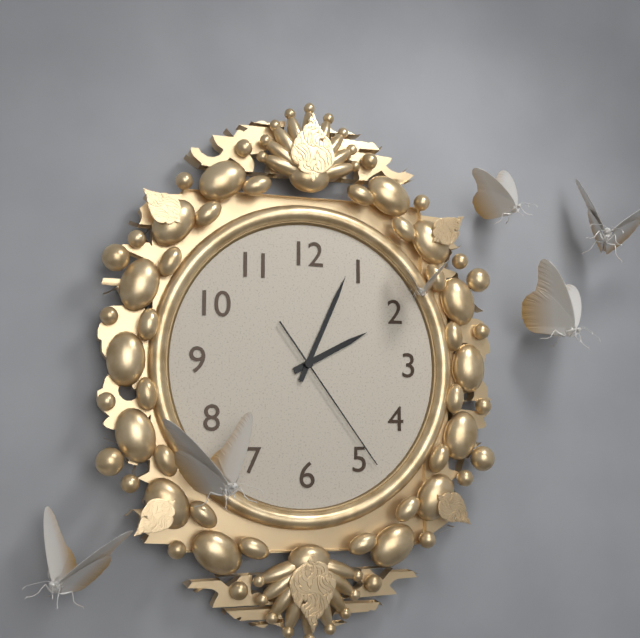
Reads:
{"hour": 2, "minute": 4, "second": 24}
